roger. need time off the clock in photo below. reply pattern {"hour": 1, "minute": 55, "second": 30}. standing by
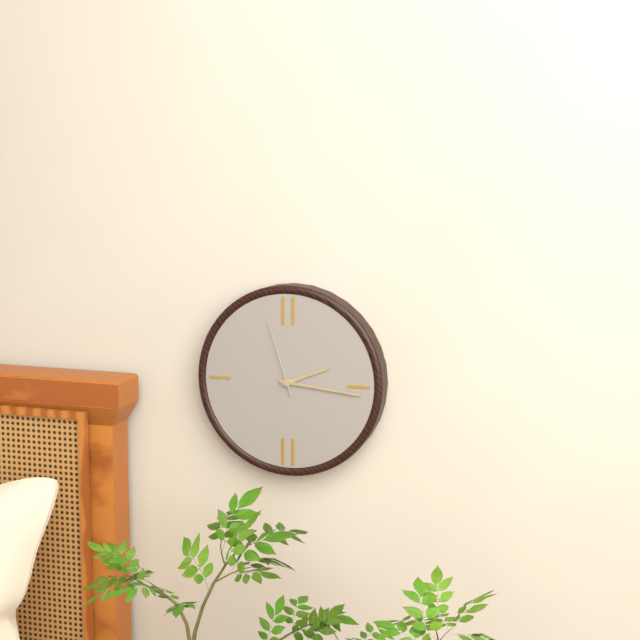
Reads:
{"hour": 2, "minute": 16, "second": 57}
